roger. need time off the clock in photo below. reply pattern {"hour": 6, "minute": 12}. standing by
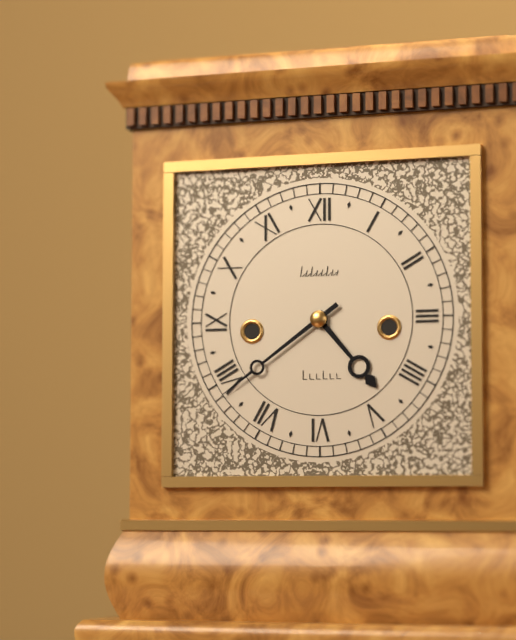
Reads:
{"hour": 4, "minute": 39}
